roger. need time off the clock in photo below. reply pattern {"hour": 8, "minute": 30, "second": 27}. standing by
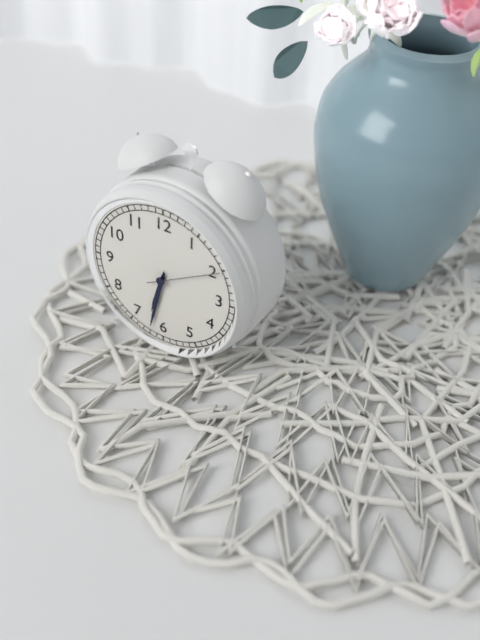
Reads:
{"hour": 6, "minute": 32, "second": 10}
